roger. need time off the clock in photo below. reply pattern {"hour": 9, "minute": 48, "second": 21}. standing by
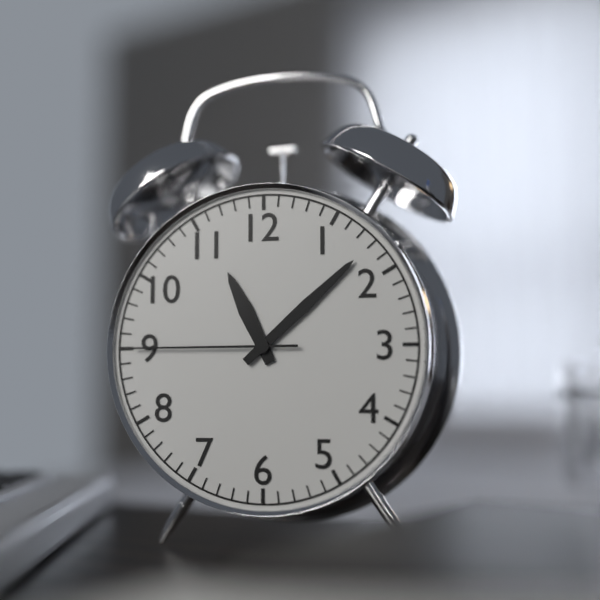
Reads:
{"hour": 11, "minute": 8, "second": 45}
